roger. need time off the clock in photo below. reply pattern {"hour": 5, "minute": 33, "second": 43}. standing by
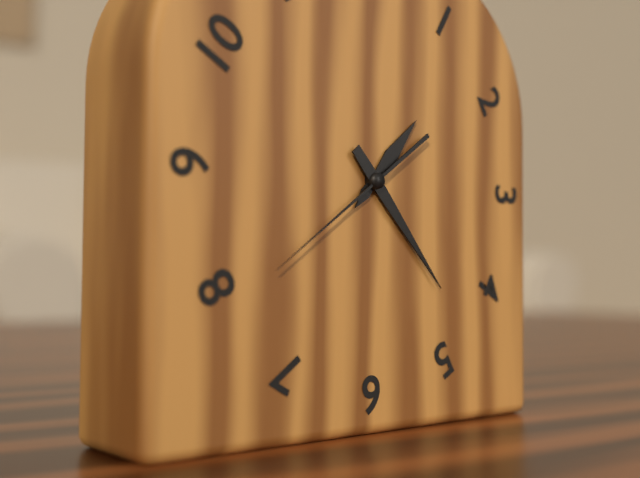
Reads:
{"hour": 1, "minute": 23, "second": 39}
